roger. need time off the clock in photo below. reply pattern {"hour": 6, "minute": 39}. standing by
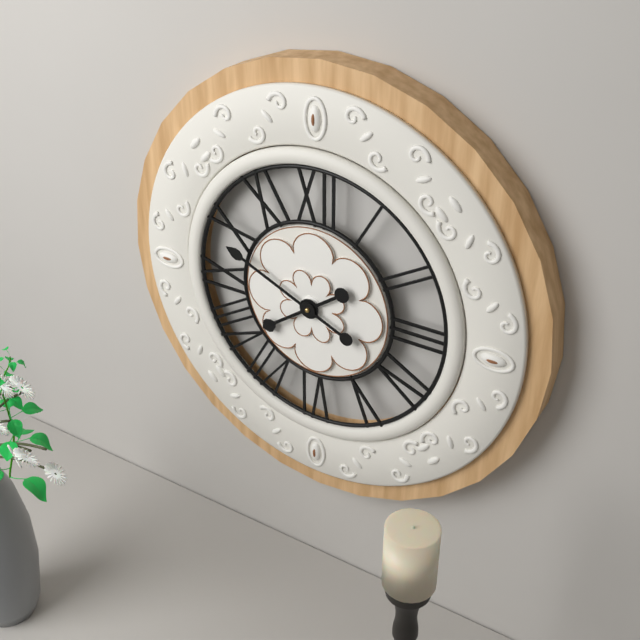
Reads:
{"hour": 7, "minute": 49}
